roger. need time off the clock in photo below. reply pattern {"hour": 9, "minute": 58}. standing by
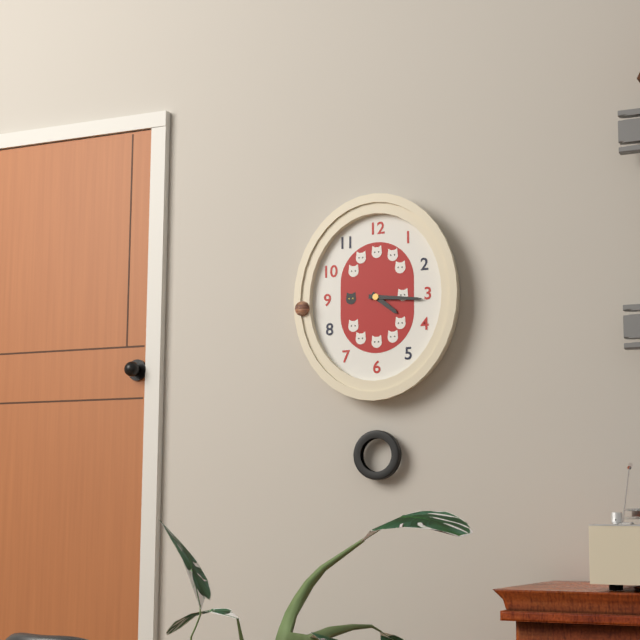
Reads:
{"hour": 4, "minute": 16}
